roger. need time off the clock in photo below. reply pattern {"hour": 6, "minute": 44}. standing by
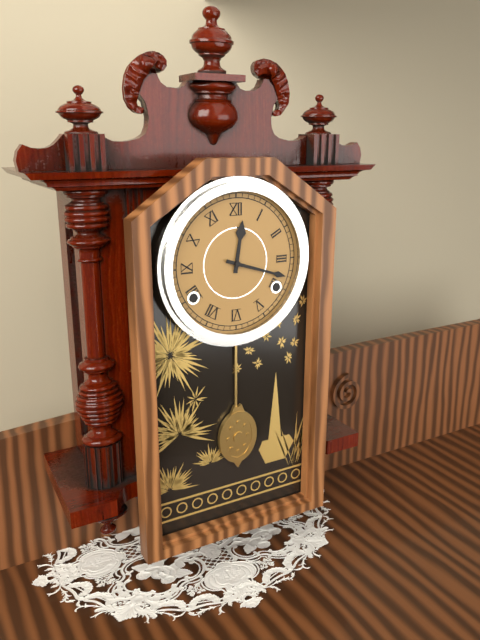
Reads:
{"hour": 12, "minute": 18}
